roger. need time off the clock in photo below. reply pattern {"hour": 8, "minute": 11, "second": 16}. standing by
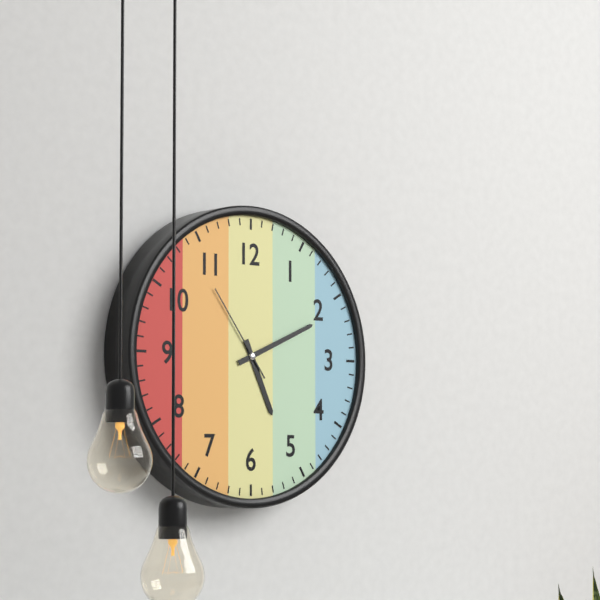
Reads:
{"hour": 5, "minute": 11, "second": 54}
